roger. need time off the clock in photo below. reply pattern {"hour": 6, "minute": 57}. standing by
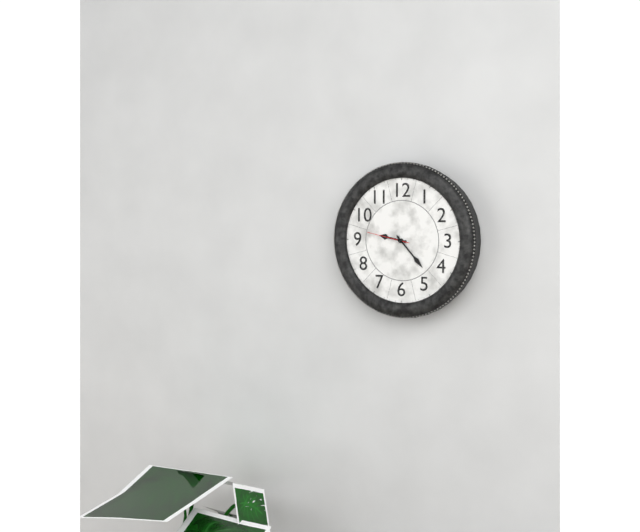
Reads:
{"hour": 9, "minute": 23}
